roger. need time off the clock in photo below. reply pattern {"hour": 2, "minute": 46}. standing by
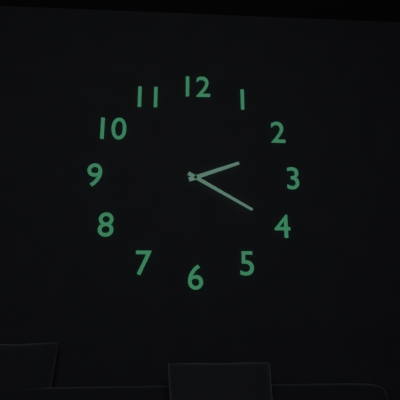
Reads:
{"hour": 2, "minute": 20}
